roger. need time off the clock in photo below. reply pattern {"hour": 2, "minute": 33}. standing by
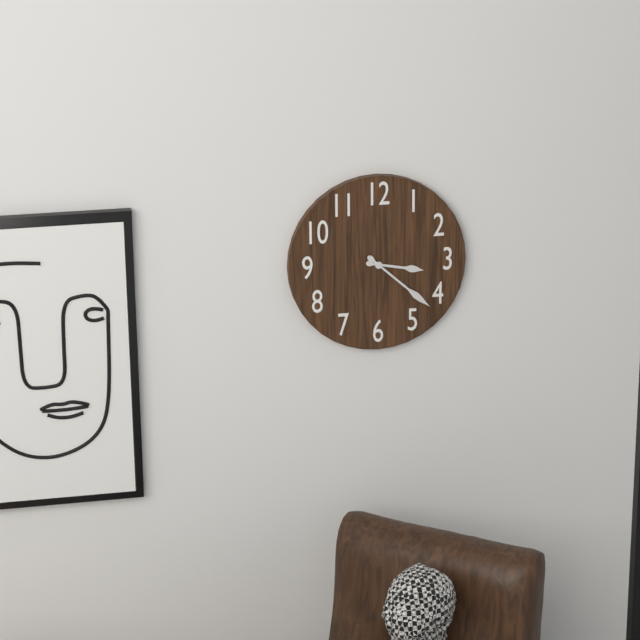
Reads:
{"hour": 3, "minute": 22}
